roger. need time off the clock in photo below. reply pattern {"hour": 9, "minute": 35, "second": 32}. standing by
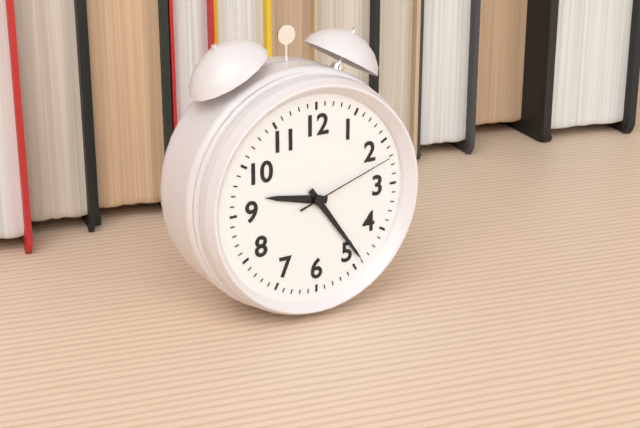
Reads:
{"hour": 9, "minute": 24, "second": 12}
